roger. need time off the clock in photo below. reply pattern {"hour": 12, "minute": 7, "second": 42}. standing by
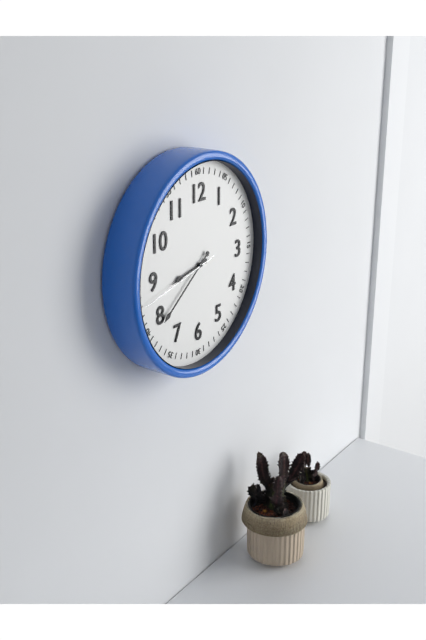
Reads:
{"hour": 8, "minute": 39, "second": 43}
